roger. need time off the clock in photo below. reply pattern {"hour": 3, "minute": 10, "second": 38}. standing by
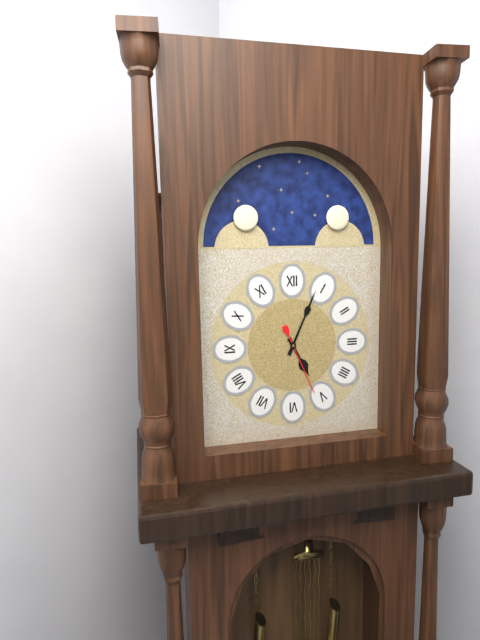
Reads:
{"hour": 5, "minute": 4, "second": 26}
